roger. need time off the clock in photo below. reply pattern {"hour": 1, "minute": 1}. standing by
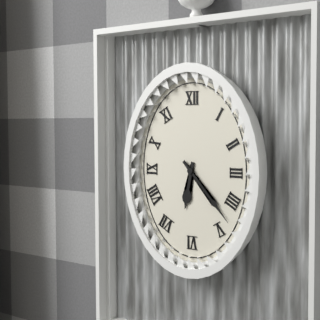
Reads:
{"hour": 6, "minute": 23}
